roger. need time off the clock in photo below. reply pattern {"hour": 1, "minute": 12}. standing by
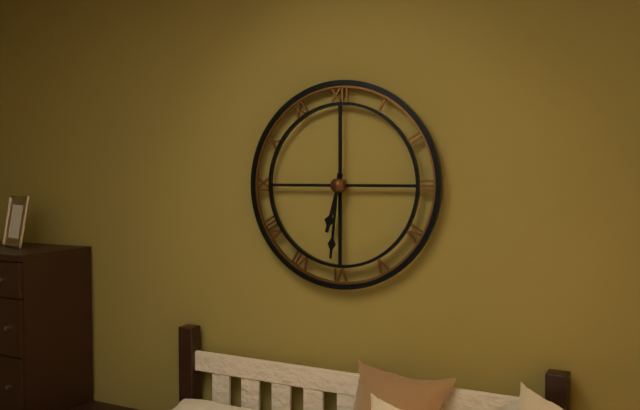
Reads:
{"hour": 6, "minute": 31}
